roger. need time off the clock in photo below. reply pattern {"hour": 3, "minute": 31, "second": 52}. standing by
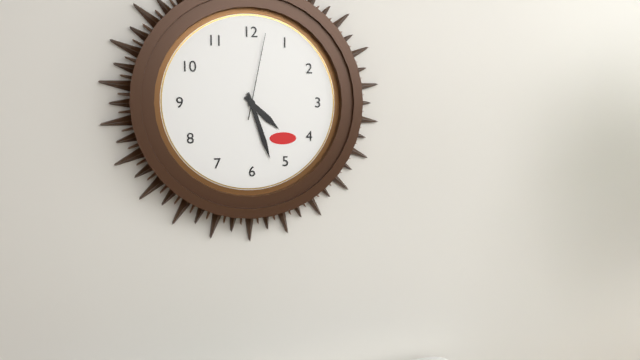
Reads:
{"hour": 4, "minute": 27, "second": 2}
